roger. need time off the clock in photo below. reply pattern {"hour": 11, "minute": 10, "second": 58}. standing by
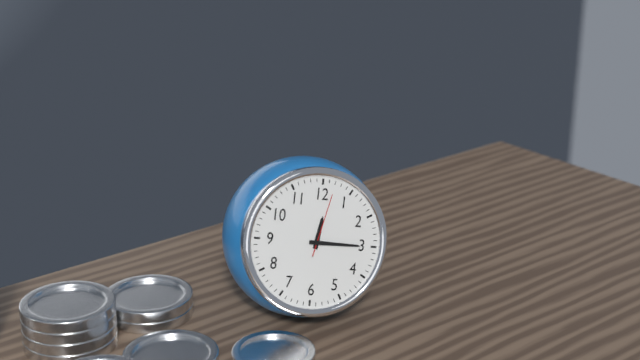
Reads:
{"hour": 12, "minute": 15, "second": 2}
